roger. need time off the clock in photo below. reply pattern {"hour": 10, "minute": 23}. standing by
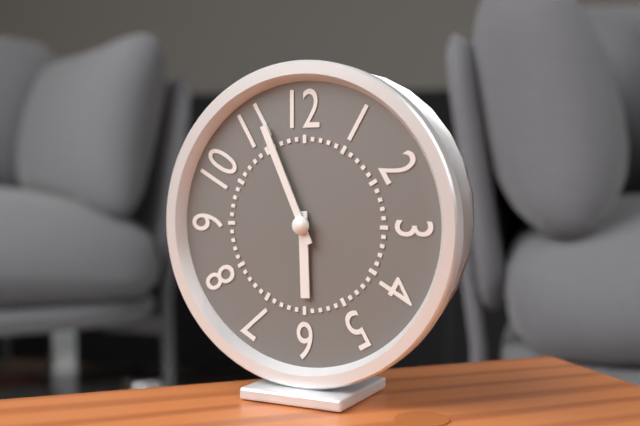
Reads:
{"hour": 5, "minute": 56}
